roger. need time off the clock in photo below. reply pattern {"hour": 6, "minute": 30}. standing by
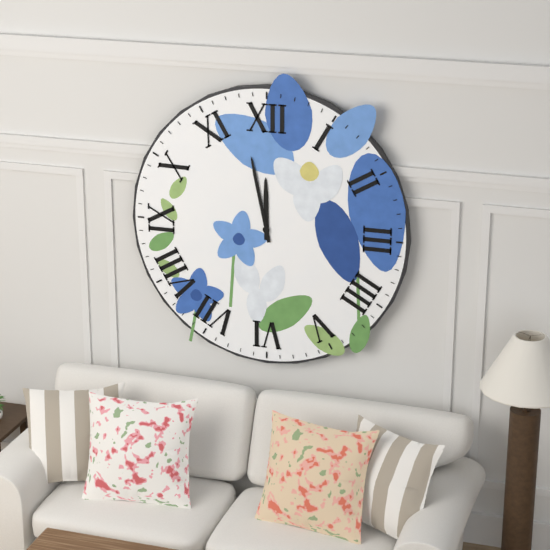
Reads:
{"hour": 11, "minute": 58}
